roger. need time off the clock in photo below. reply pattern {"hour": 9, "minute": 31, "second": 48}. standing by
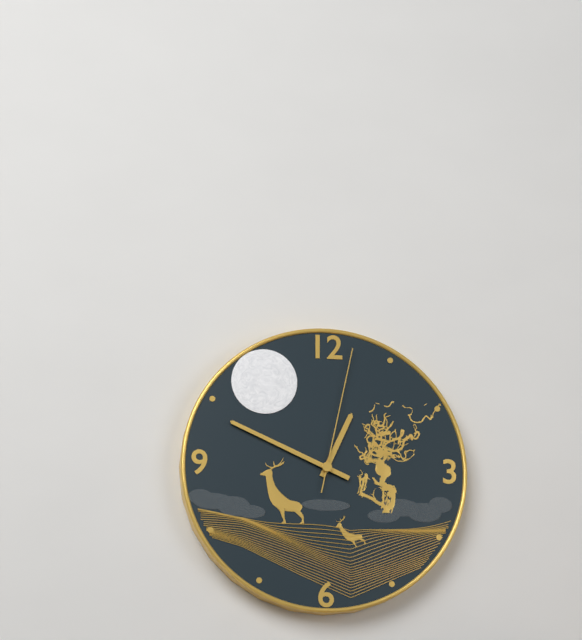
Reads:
{"hour": 12, "minute": 49, "second": 2}
